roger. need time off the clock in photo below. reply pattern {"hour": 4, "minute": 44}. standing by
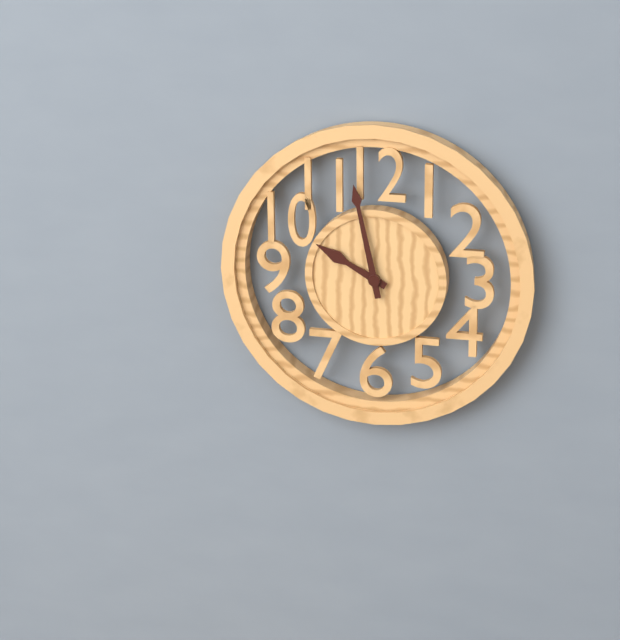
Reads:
{"hour": 9, "minute": 58}
